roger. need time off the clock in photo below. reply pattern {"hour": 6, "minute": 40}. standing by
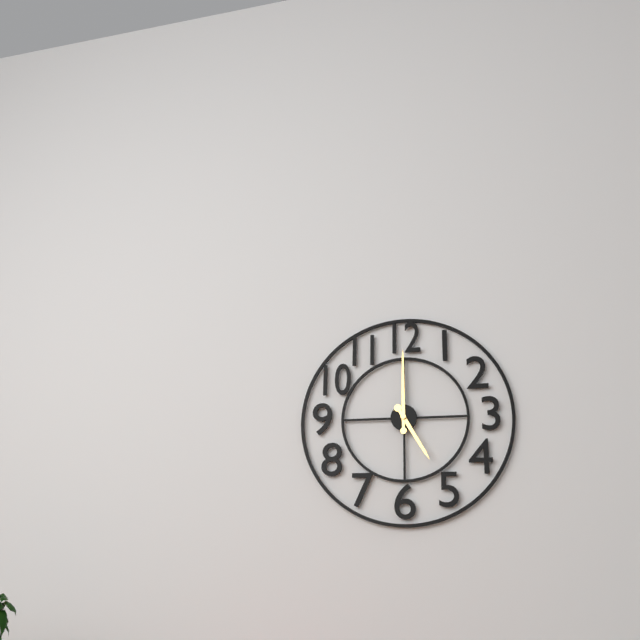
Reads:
{"hour": 5, "minute": 0}
